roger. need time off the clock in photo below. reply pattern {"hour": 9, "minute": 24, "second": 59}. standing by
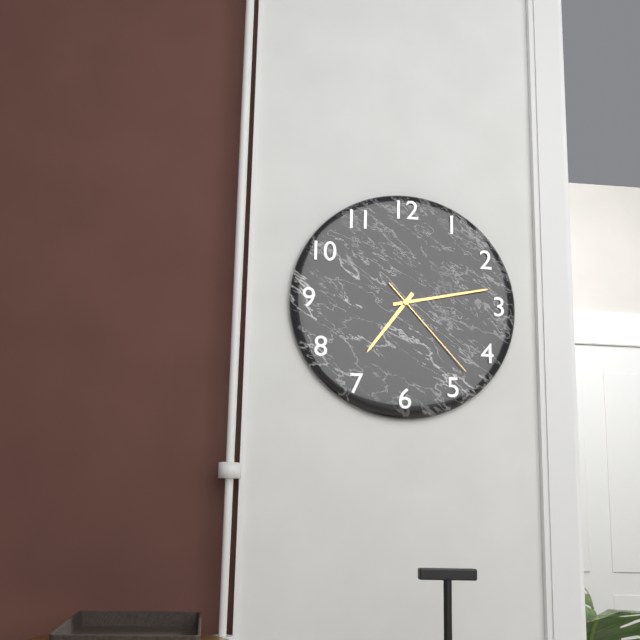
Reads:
{"hour": 7, "minute": 13, "second": 23}
